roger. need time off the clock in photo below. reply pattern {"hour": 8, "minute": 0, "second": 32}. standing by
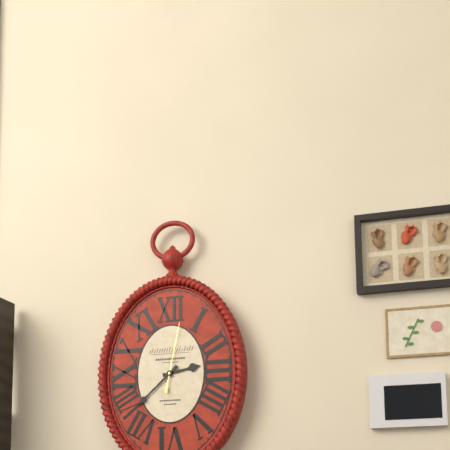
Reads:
{"hour": 2, "minute": 38, "second": 2}
